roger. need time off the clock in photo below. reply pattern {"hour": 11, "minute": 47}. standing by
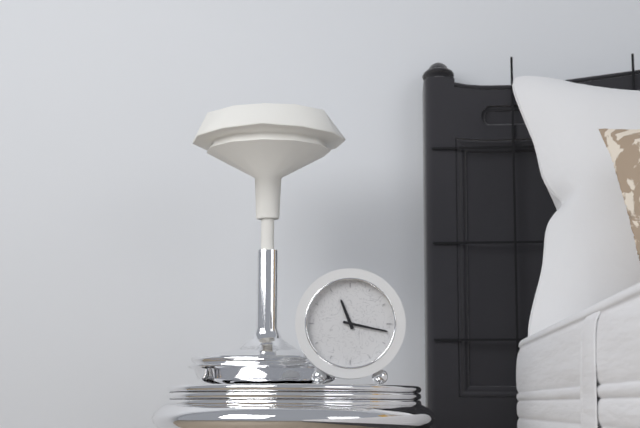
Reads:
{"hour": 11, "minute": 17}
